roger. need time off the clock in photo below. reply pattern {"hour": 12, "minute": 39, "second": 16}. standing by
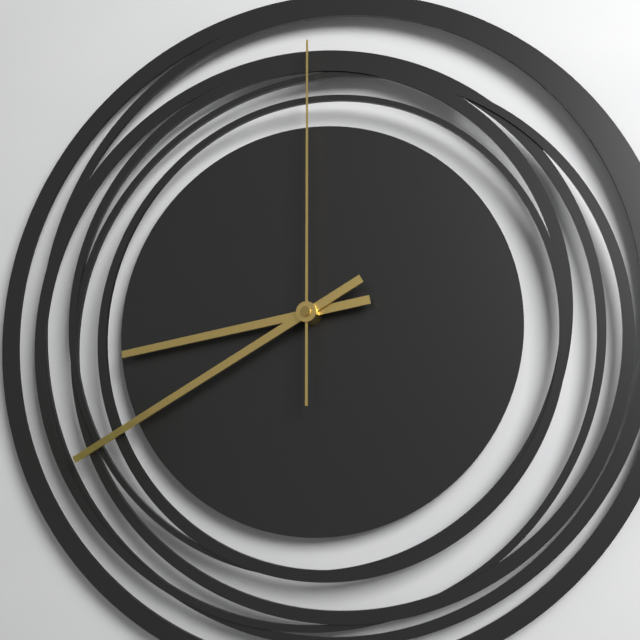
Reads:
{"hour": 8, "minute": 40, "second": 0}
